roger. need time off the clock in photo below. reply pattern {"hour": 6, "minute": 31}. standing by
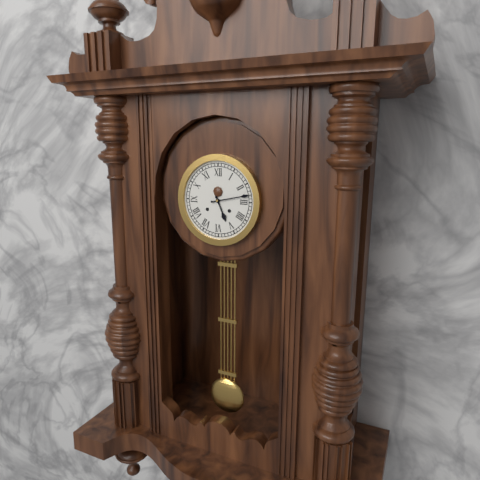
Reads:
{"hour": 5, "minute": 13}
